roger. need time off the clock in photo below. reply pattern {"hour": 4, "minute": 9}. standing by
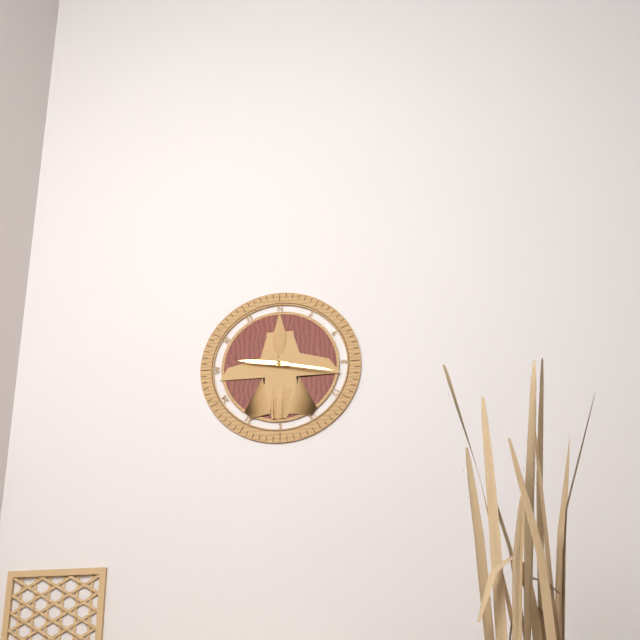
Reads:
{"hour": 9, "minute": 17}
